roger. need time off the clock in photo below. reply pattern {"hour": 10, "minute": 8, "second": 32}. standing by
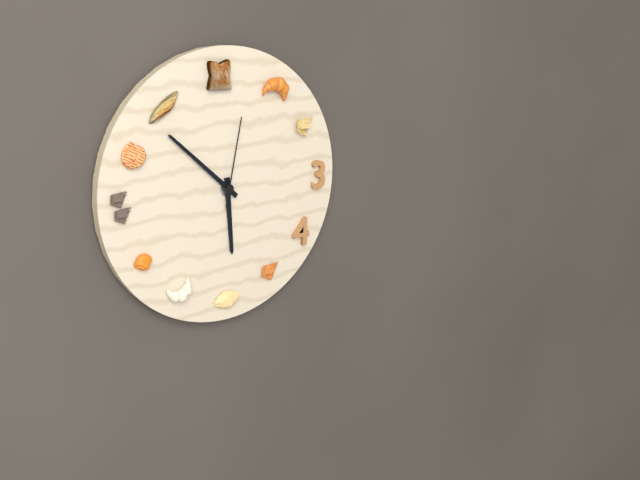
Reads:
{"hour": 5, "minute": 52, "second": 2}
